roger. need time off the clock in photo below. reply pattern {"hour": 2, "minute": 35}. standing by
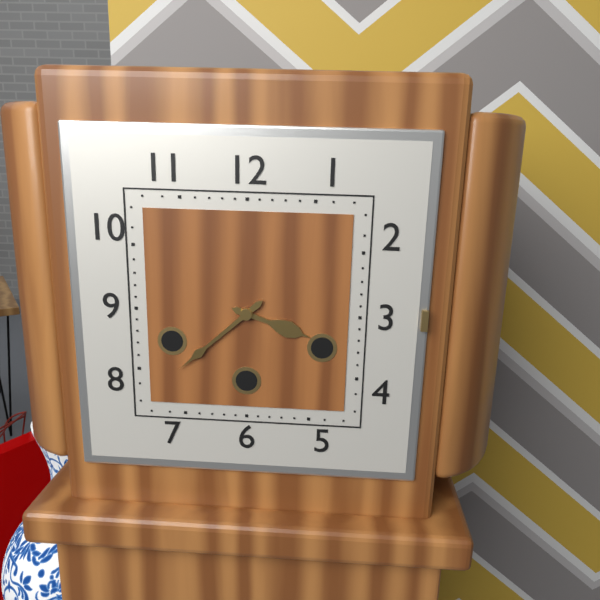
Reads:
{"hour": 3, "minute": 38}
